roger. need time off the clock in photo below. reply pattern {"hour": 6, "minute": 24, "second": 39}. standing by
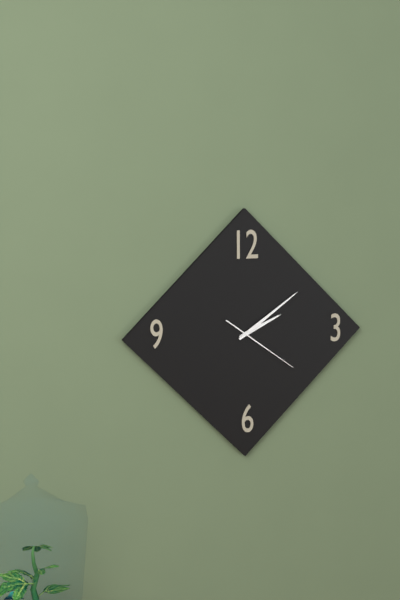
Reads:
{"hour": 2, "minute": 9, "second": 21}
